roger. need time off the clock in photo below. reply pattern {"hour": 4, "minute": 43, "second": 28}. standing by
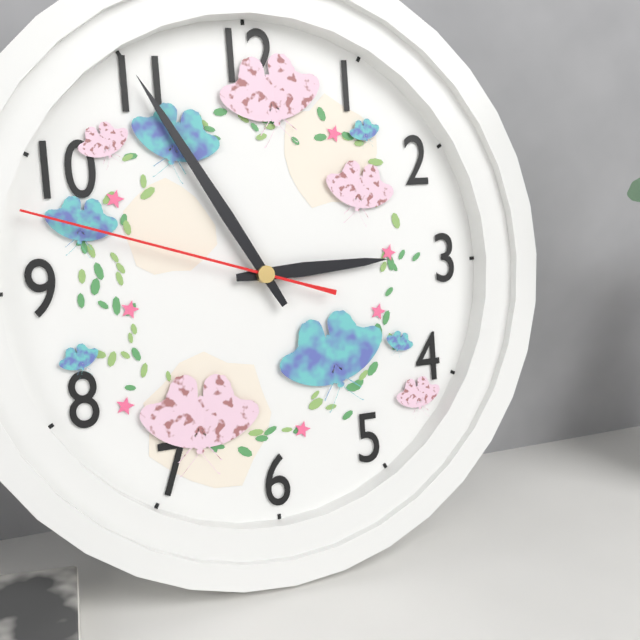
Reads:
{"hour": 2, "minute": 55, "second": 48}
